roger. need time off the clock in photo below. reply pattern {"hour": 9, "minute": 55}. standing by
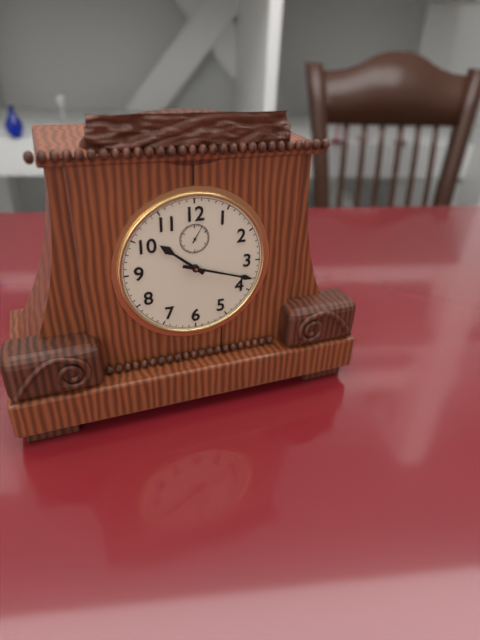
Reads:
{"hour": 10, "minute": 18}
